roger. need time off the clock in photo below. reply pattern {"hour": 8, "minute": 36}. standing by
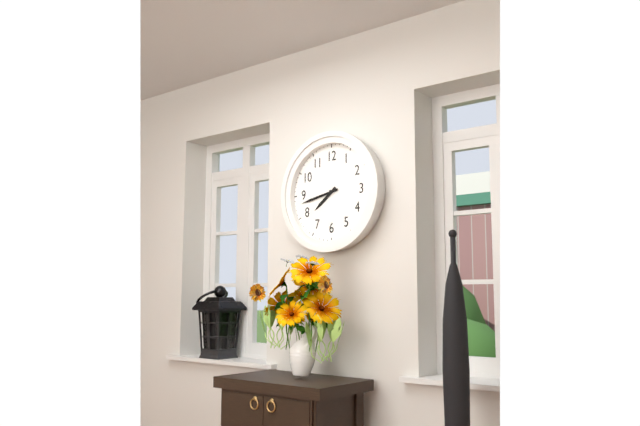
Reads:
{"hour": 7, "minute": 43}
